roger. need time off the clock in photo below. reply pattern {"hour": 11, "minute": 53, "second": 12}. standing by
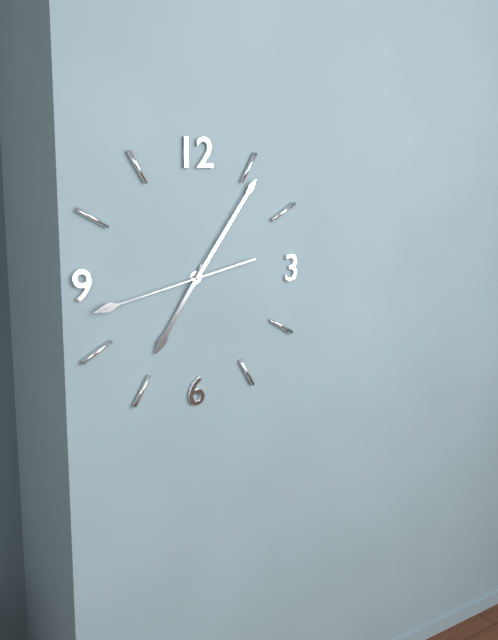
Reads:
{"hour": 7, "minute": 6, "second": 43}
